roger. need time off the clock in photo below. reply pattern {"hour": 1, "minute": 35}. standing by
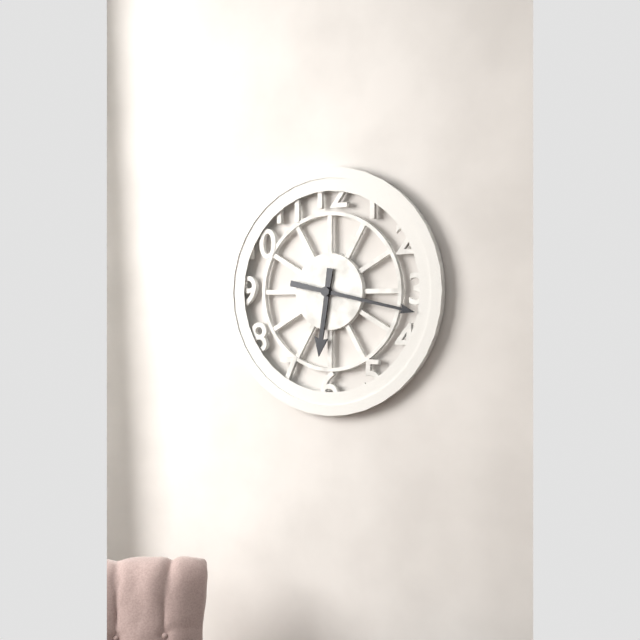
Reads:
{"hour": 6, "minute": 17}
